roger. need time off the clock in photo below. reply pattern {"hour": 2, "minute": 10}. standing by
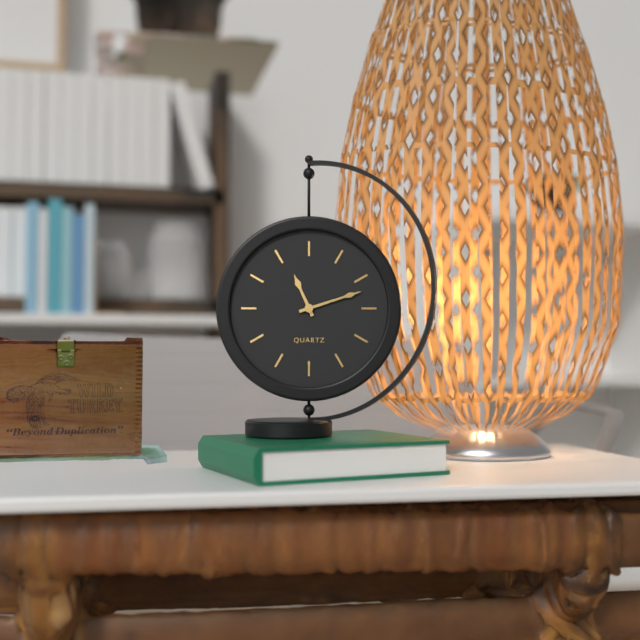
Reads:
{"hour": 11, "minute": 12}
